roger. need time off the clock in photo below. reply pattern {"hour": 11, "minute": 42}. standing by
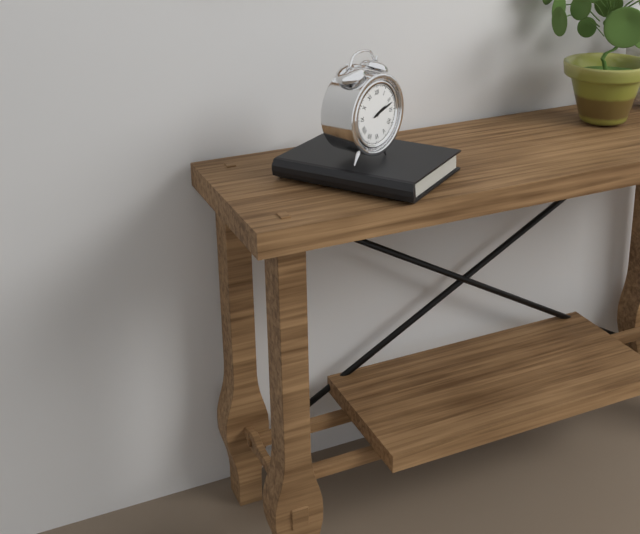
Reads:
{"hour": 2, "minute": 12}
